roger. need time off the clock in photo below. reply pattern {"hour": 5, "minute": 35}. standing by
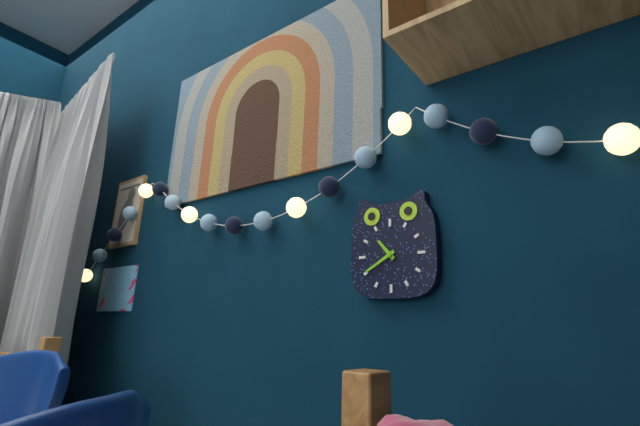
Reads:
{"hour": 10, "minute": 40}
